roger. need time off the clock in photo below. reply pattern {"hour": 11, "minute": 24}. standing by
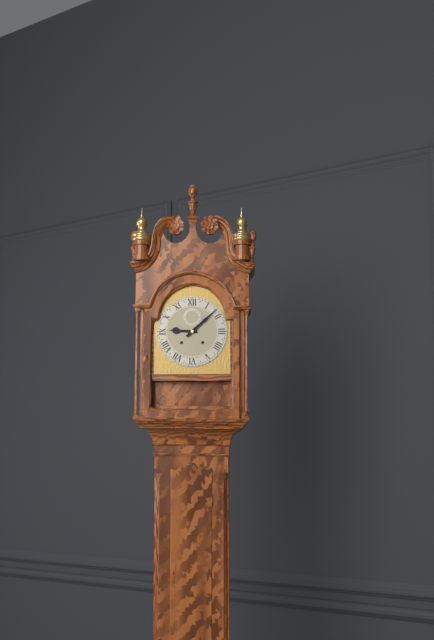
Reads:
{"hour": 9, "minute": 8}
